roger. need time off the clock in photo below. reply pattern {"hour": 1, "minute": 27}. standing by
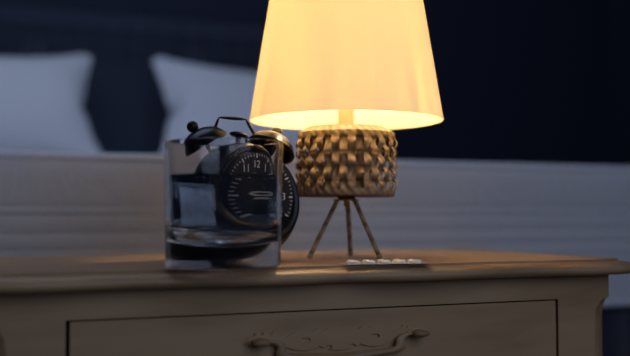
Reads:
{"hour": 4, "minute": 38}
